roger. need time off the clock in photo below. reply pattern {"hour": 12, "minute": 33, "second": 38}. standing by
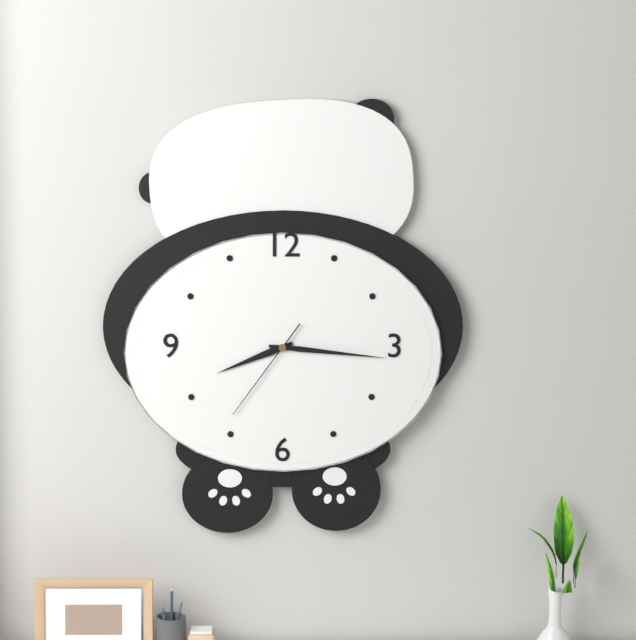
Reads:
{"hour": 8, "minute": 16, "second": 36}
